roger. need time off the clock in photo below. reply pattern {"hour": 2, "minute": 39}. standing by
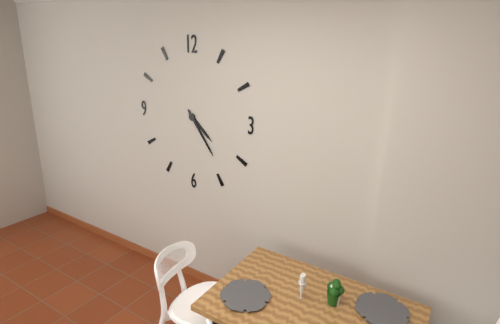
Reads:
{"hour": 4, "minute": 24}
